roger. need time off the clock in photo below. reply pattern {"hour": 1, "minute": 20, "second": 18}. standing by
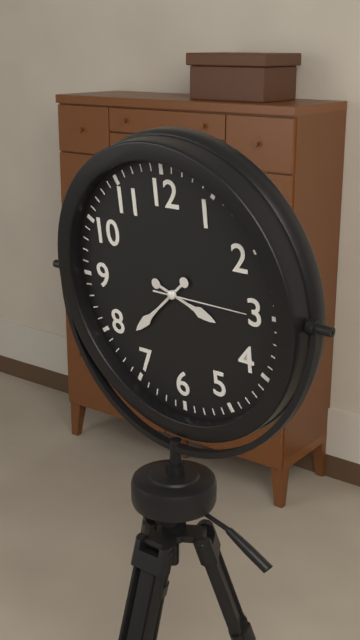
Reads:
{"hour": 3, "minute": 38, "second": 15}
